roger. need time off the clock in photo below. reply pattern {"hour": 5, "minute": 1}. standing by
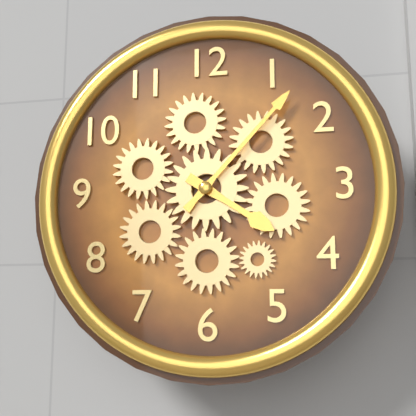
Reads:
{"hour": 4, "minute": 7}
